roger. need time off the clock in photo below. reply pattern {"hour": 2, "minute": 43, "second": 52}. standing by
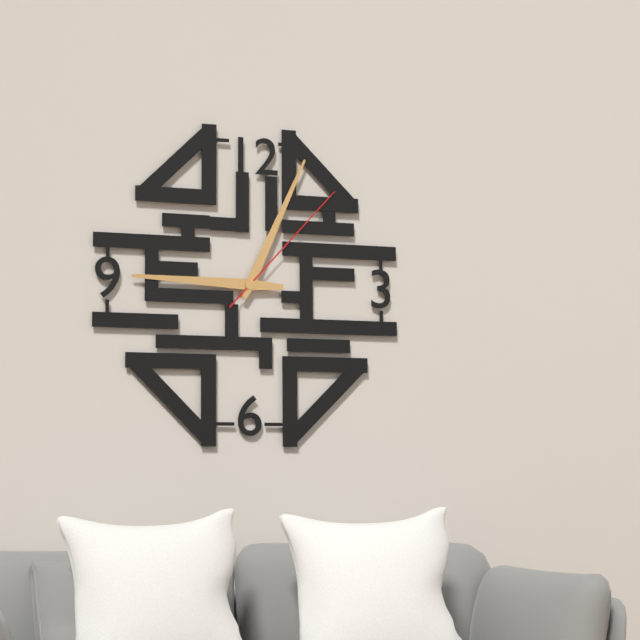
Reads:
{"hour": 9, "minute": 4, "second": 7}
